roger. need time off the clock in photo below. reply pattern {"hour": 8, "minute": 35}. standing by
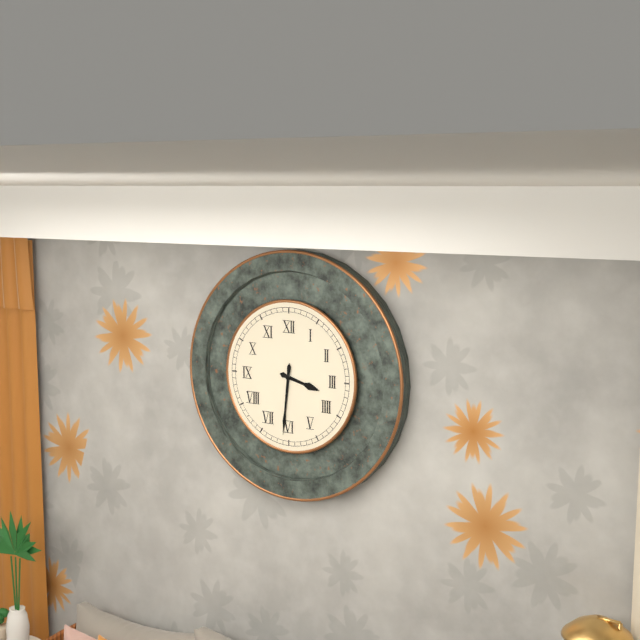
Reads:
{"hour": 3, "minute": 31}
